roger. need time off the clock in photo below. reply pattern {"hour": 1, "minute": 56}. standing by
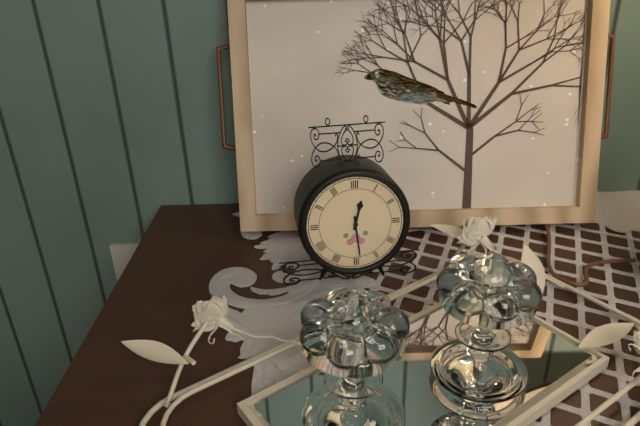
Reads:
{"hour": 12, "minute": 29}
